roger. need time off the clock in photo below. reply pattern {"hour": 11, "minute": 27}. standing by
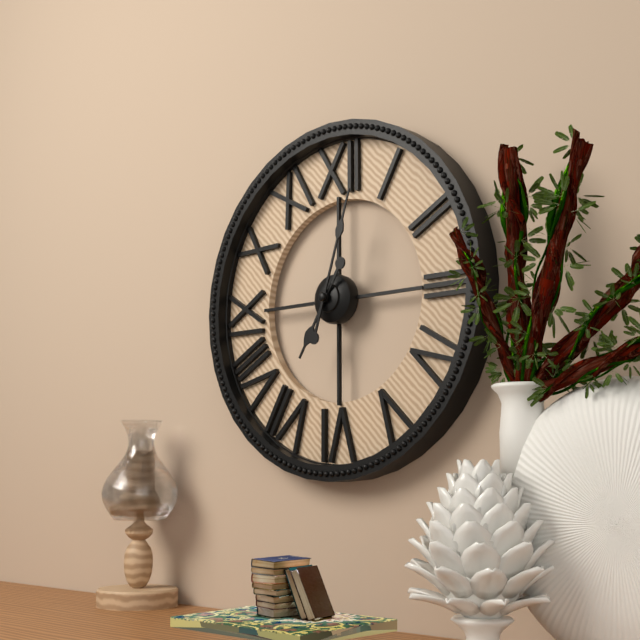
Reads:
{"hour": 7, "minute": 3}
